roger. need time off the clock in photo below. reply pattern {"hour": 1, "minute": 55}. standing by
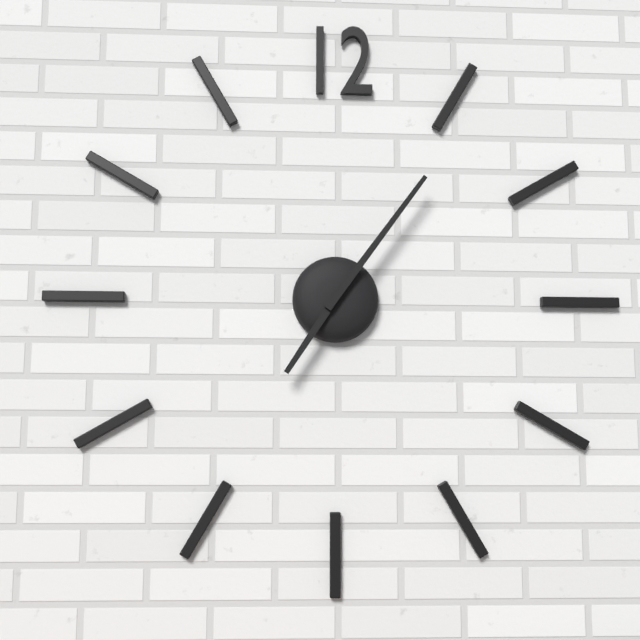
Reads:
{"hour": 7, "minute": 6}
